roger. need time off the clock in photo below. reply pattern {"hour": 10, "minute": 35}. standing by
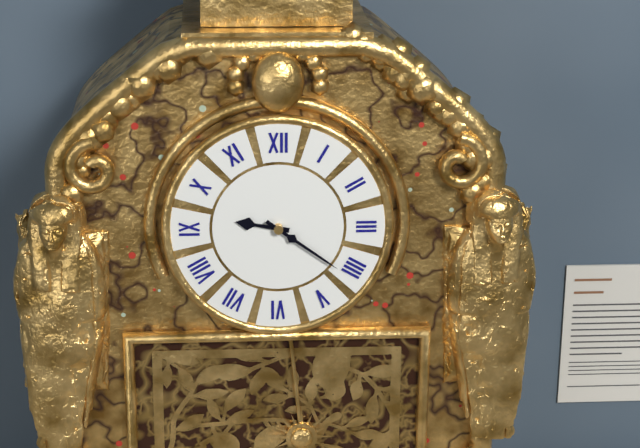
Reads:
{"hour": 9, "minute": 21}
